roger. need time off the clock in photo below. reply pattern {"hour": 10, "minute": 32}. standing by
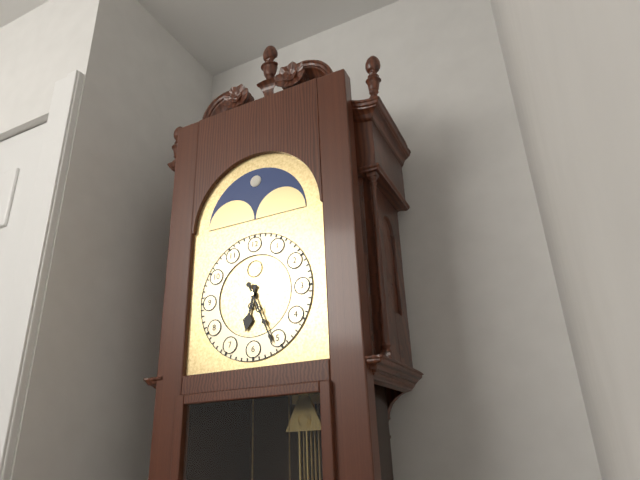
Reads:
{"hour": 6, "minute": 26}
